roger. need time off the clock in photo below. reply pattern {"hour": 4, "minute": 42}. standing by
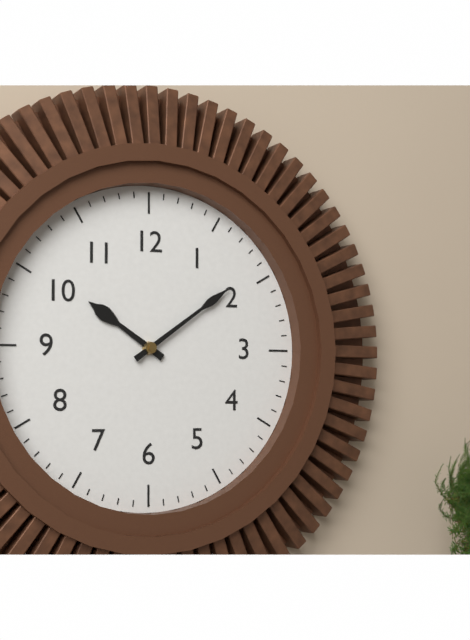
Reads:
{"hour": 10, "minute": 9}
